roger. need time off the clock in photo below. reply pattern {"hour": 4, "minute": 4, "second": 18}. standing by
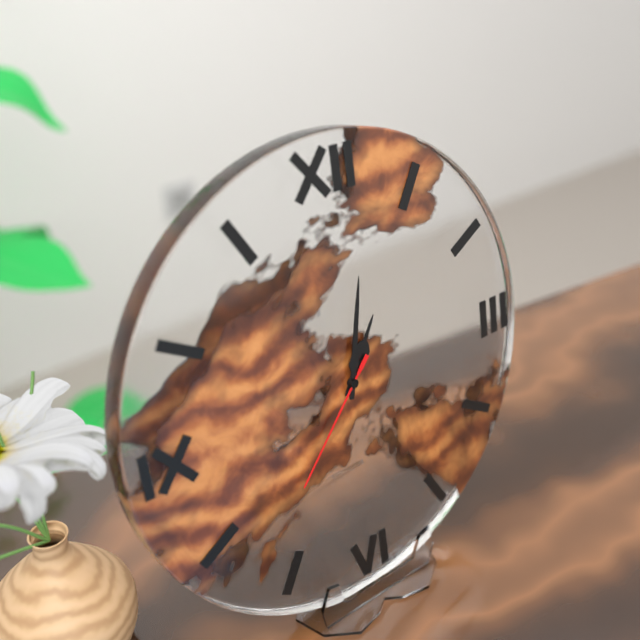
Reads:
{"hour": 1, "minute": 2, "second": 37}
